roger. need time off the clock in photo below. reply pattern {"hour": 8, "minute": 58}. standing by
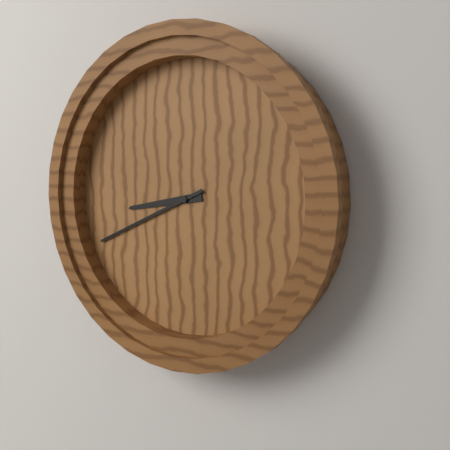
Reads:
{"hour": 8, "minute": 41}
